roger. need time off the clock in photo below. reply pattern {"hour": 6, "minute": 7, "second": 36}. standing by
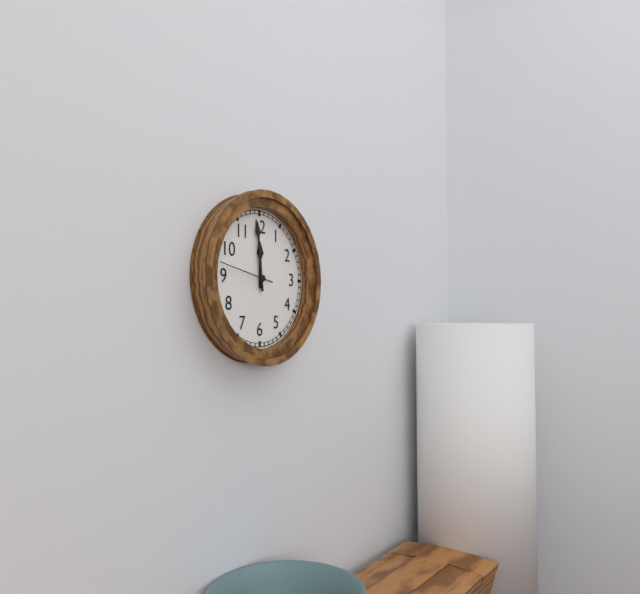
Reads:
{"hour": 11, "minute": 59, "second": 47}
